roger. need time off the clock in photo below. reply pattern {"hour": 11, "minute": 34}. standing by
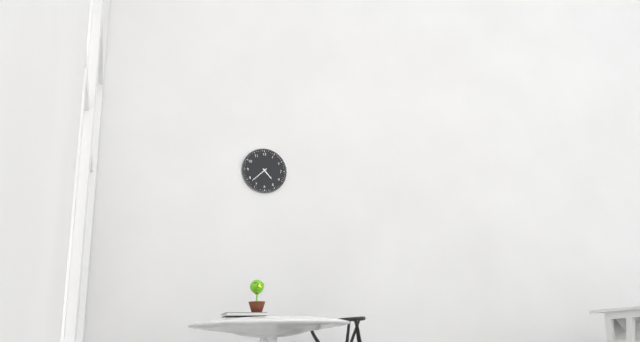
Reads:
{"hour": 4, "minute": 38}
